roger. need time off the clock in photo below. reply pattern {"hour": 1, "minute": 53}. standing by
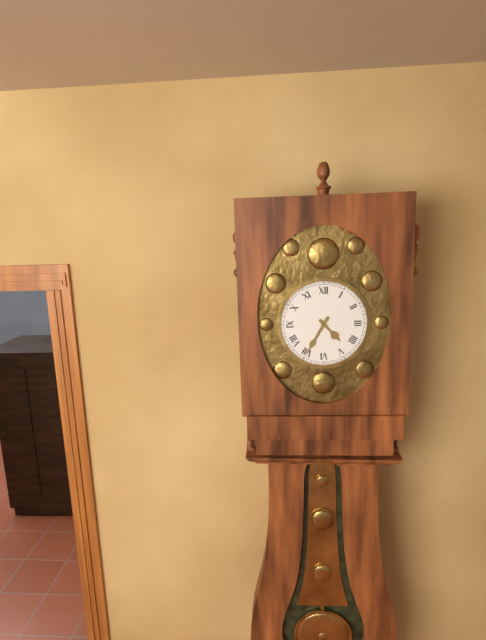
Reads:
{"hour": 4, "minute": 35}
